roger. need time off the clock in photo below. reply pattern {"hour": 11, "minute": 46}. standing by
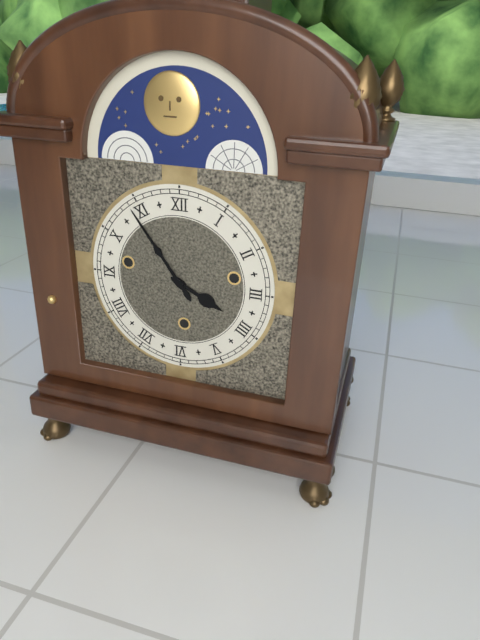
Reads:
{"hour": 3, "minute": 54}
